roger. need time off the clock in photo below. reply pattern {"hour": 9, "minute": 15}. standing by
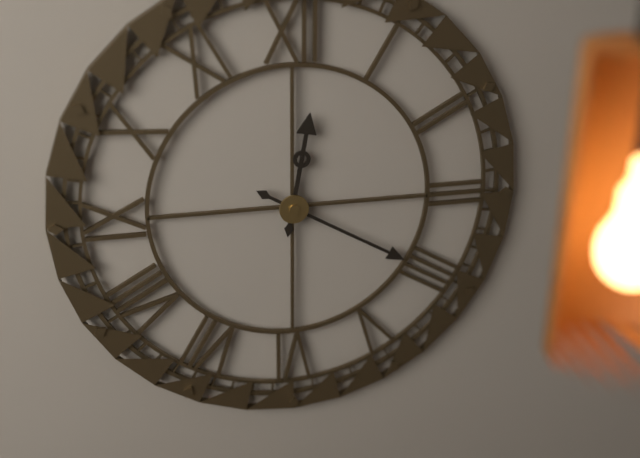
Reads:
{"hour": 12, "minute": 20}
